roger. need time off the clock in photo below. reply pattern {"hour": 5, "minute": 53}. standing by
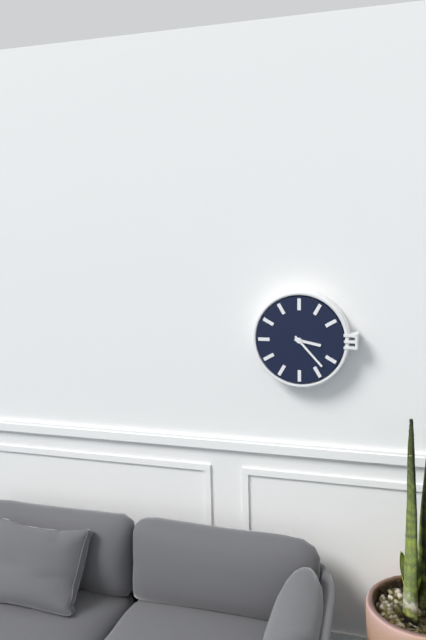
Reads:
{"hour": 3, "minute": 23}
